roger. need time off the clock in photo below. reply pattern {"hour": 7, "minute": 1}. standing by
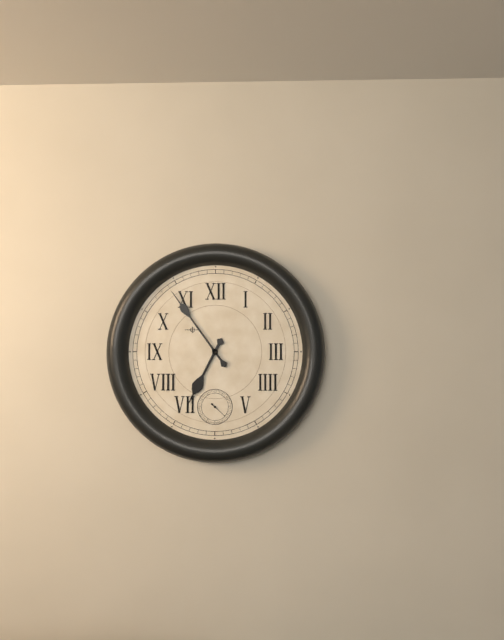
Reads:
{"hour": 6, "minute": 54}
